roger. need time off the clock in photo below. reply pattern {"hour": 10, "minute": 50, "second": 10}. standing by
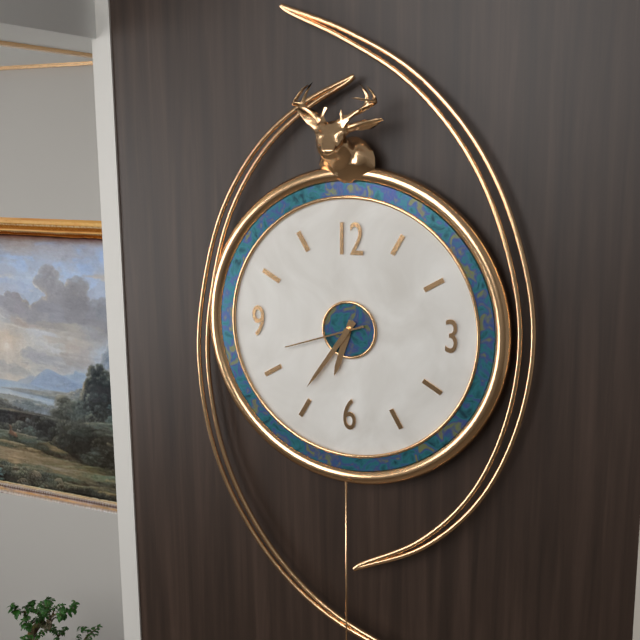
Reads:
{"hour": 6, "minute": 36, "second": 42}
